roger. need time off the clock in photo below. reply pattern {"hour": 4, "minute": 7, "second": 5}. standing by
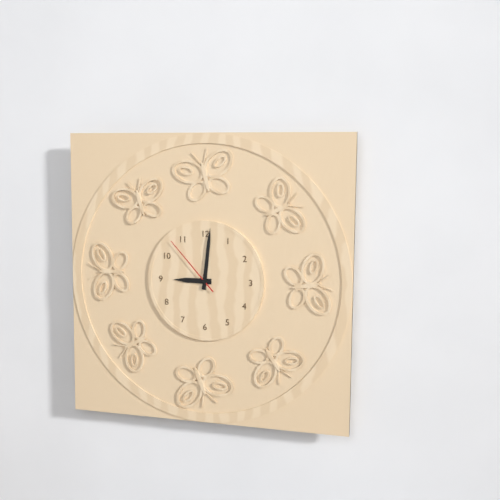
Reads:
{"hour": 9, "minute": 1, "second": 53}
